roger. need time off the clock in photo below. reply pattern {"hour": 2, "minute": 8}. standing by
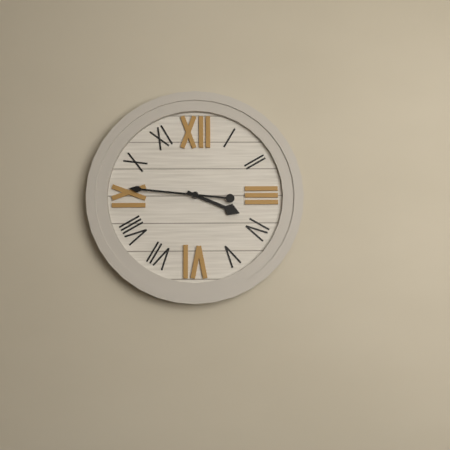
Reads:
{"hour": 3, "minute": 46}
